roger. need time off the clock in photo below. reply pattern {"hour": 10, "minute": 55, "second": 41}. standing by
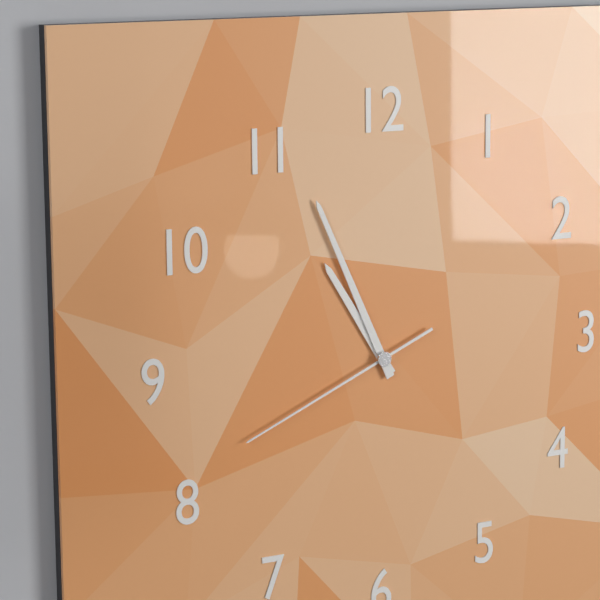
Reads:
{"hour": 10, "minute": 56, "second": 41}
